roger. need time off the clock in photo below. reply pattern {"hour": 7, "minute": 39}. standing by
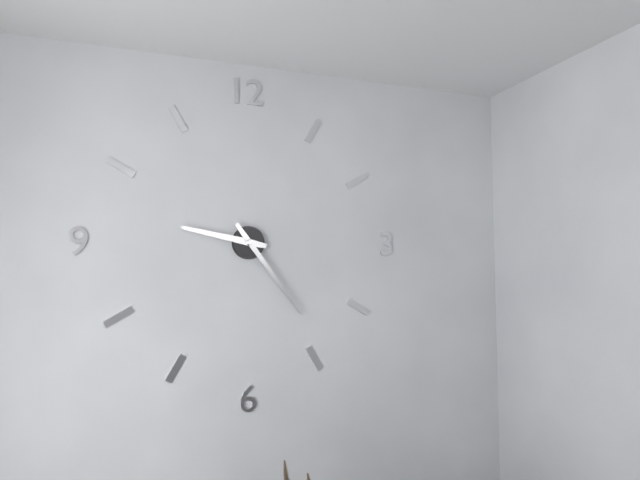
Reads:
{"hour": 9, "minute": 24}
